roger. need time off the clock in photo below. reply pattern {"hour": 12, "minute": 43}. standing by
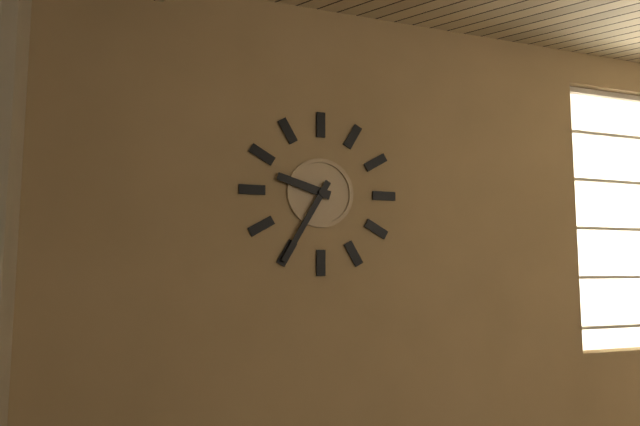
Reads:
{"hour": 9, "minute": 35}
